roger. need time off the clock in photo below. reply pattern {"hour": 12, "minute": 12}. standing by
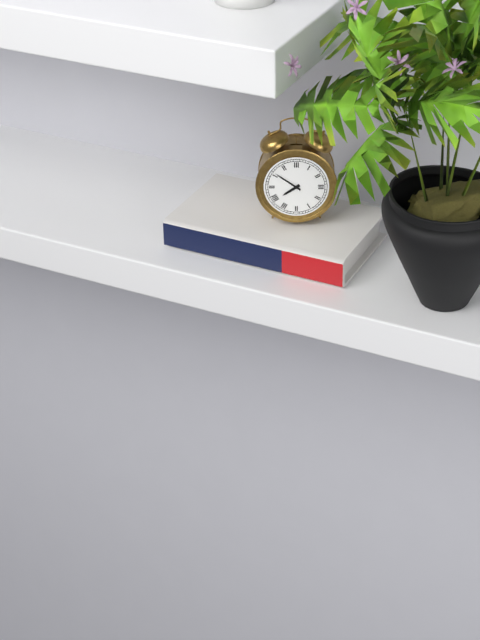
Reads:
{"hour": 7, "minute": 51}
